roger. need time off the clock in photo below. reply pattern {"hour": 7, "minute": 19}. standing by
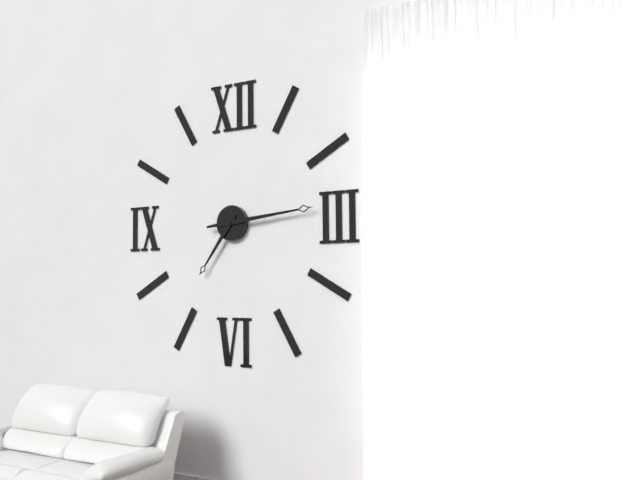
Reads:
{"hour": 7, "minute": 14}
